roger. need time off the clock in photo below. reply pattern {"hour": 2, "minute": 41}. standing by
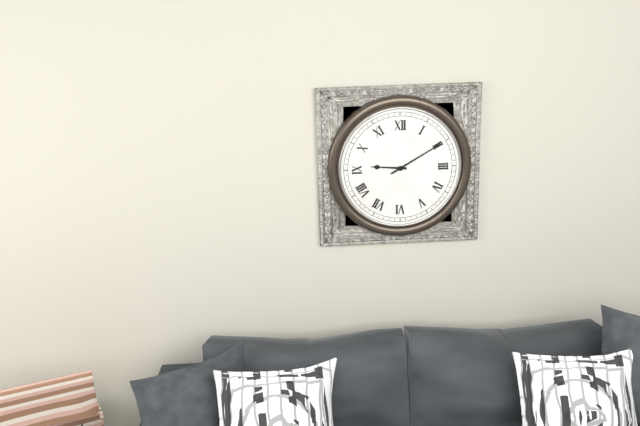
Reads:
{"hour": 9, "minute": 10}
